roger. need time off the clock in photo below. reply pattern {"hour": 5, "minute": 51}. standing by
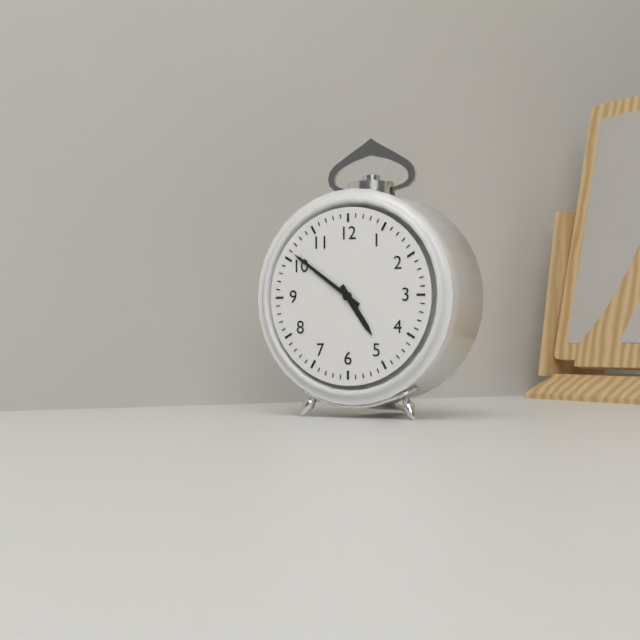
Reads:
{"hour": 4, "minute": 51}
